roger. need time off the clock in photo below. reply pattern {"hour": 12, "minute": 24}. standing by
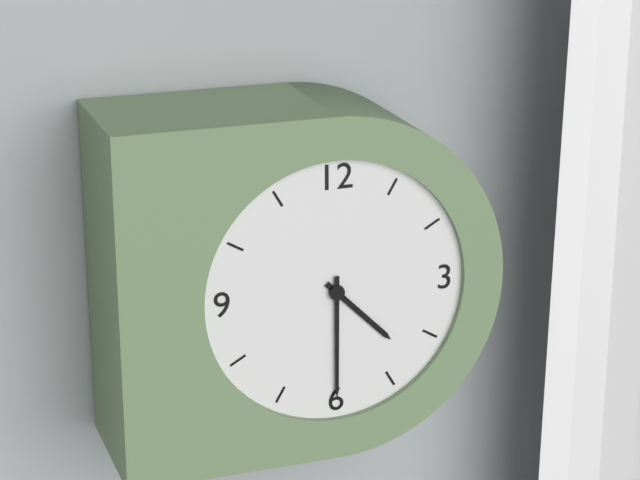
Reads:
{"hour": 4, "minute": 30}
